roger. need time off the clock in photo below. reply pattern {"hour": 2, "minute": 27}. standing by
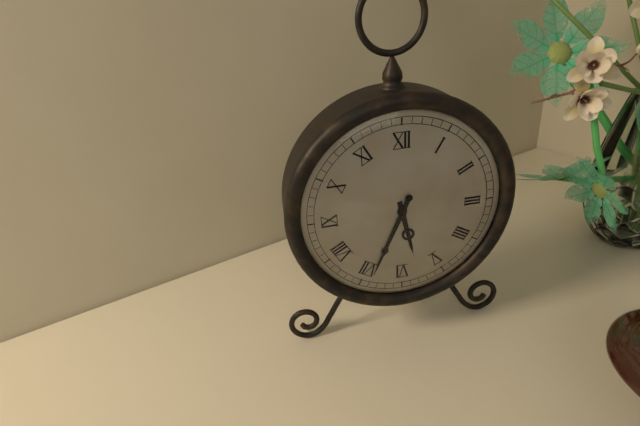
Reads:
{"hour": 5, "minute": 34}
